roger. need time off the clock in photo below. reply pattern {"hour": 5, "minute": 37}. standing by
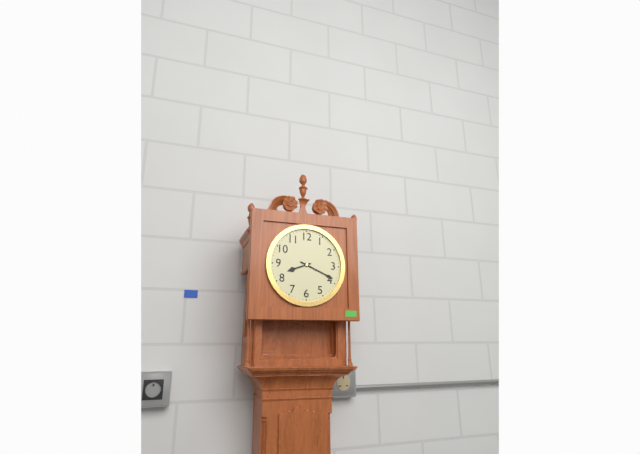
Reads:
{"hour": 8, "minute": 19}
